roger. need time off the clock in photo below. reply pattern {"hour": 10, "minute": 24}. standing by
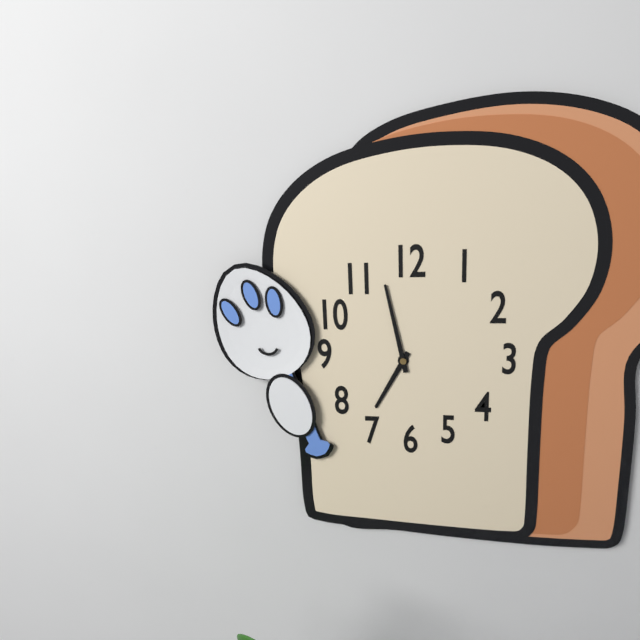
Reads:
{"hour": 6, "minute": 58}
